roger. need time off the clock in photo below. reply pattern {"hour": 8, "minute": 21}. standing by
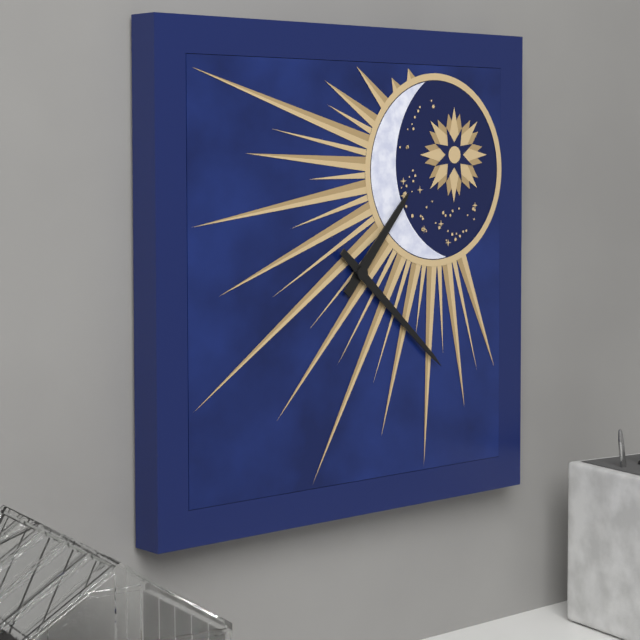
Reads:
{"hour": 1, "minute": 22}
